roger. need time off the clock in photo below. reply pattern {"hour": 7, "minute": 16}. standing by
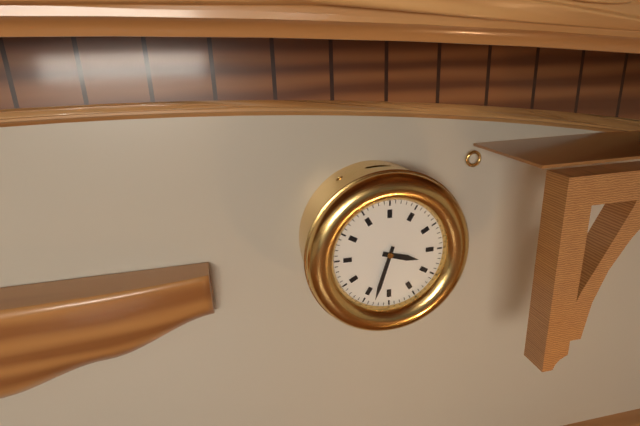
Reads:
{"hour": 3, "minute": 33}
